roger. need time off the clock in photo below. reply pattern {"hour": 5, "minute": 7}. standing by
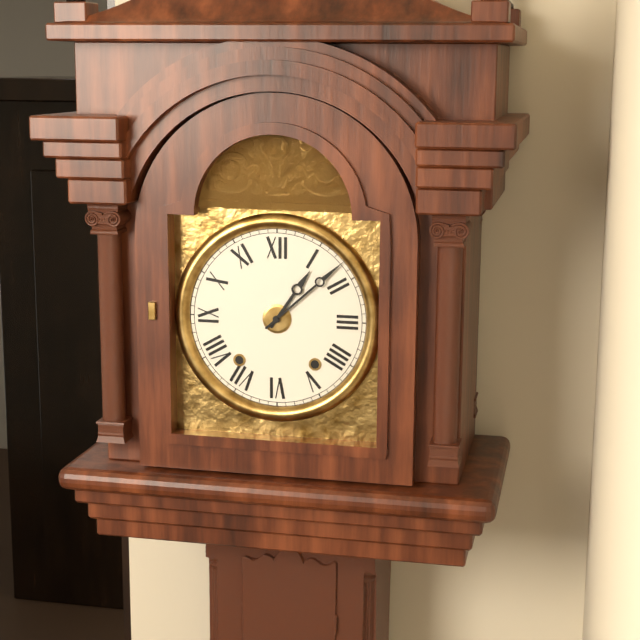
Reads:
{"hour": 1, "minute": 8}
